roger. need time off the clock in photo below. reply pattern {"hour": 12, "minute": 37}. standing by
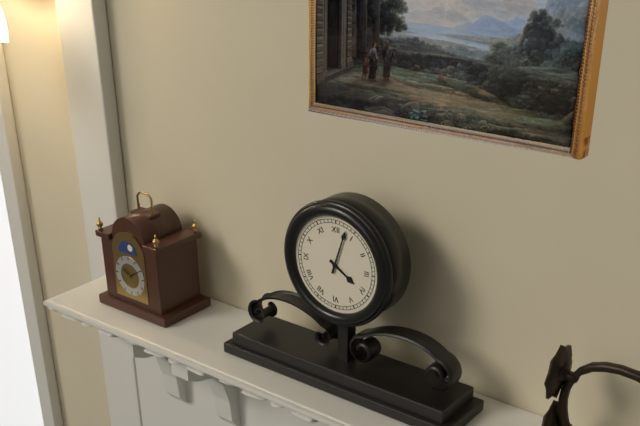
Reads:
{"hour": 4, "minute": 3}
